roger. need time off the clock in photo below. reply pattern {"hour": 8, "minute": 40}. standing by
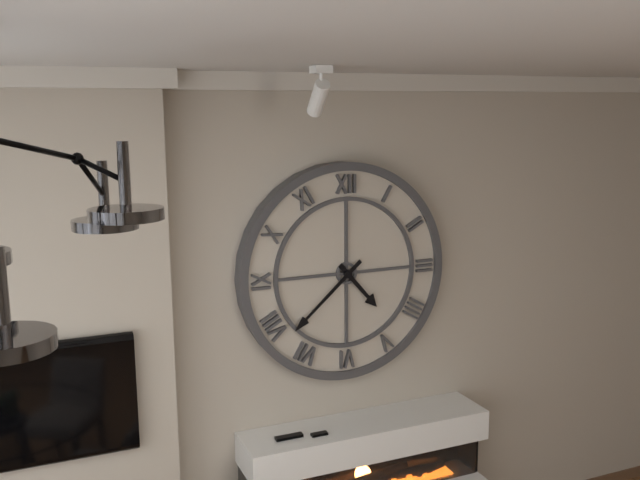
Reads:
{"hour": 4, "minute": 38}
